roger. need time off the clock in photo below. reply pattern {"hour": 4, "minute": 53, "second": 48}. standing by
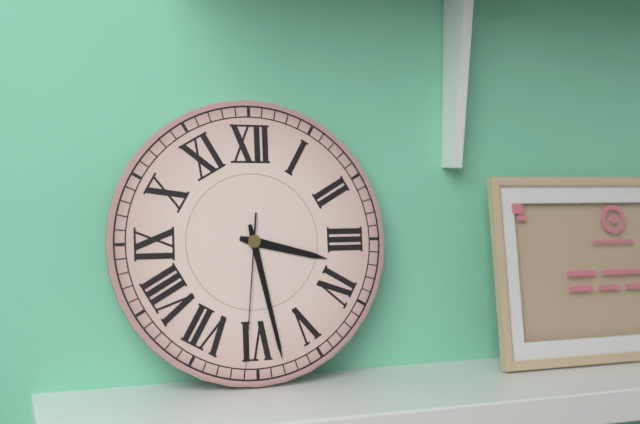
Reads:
{"hour": 3, "minute": 28, "second": 31}
